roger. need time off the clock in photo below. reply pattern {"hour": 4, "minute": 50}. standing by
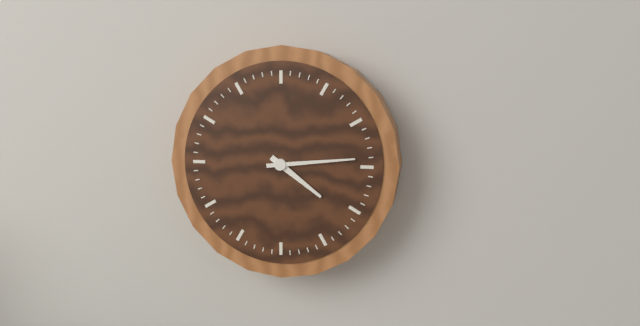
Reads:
{"hour": 4, "minute": 14}
